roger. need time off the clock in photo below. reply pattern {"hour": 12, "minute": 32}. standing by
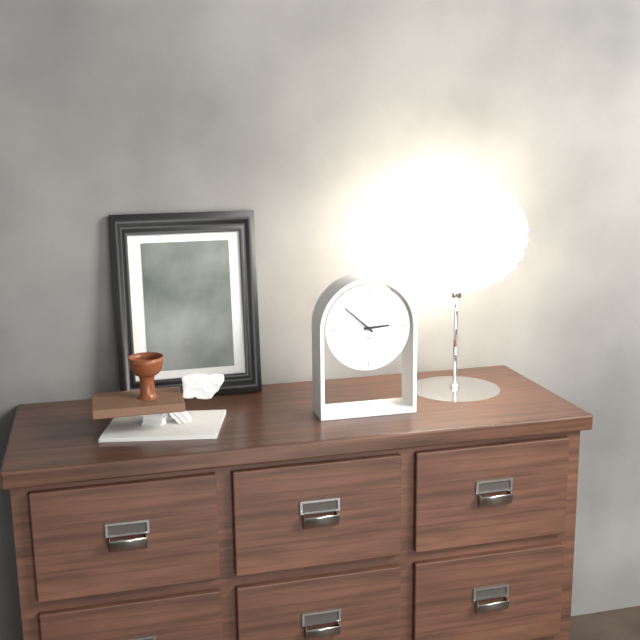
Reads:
{"hour": 2, "minute": 52}
